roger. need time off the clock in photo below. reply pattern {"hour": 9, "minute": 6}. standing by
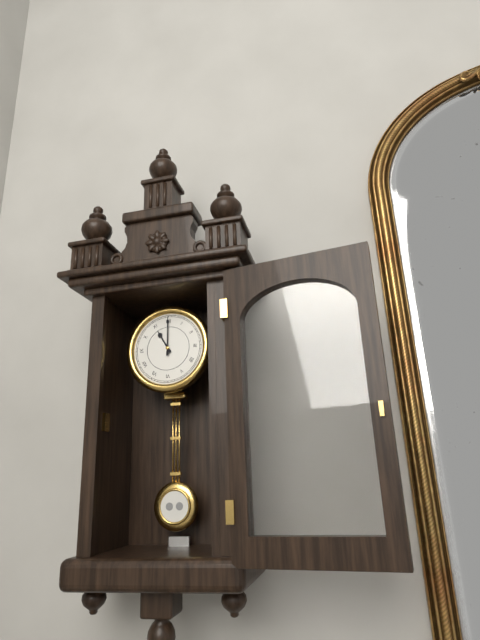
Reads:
{"hour": 11, "minute": 0}
